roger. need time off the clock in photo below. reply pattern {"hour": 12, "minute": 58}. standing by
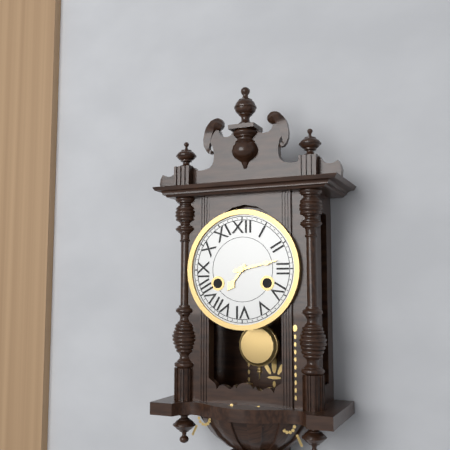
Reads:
{"hour": 7, "minute": 13}
